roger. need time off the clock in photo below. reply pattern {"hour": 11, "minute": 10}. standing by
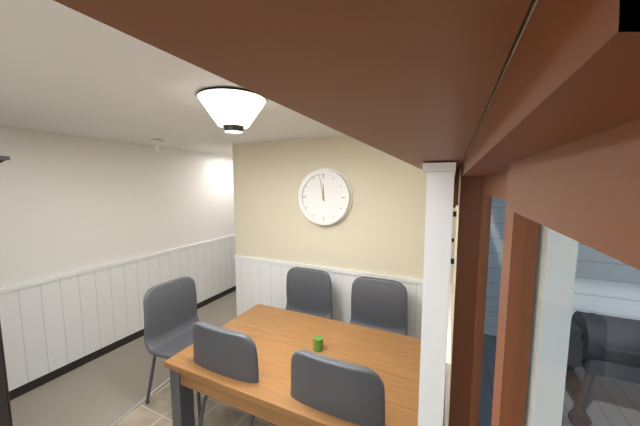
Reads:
{"hour": 11, "minute": 58}
